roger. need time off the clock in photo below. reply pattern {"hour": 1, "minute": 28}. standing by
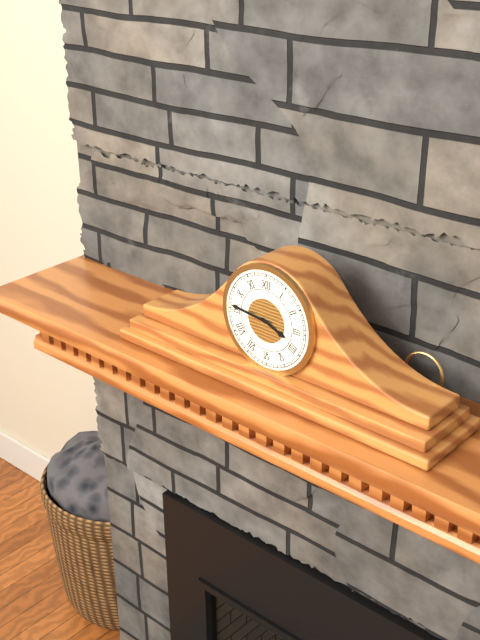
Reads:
{"hour": 3, "minute": 46}
